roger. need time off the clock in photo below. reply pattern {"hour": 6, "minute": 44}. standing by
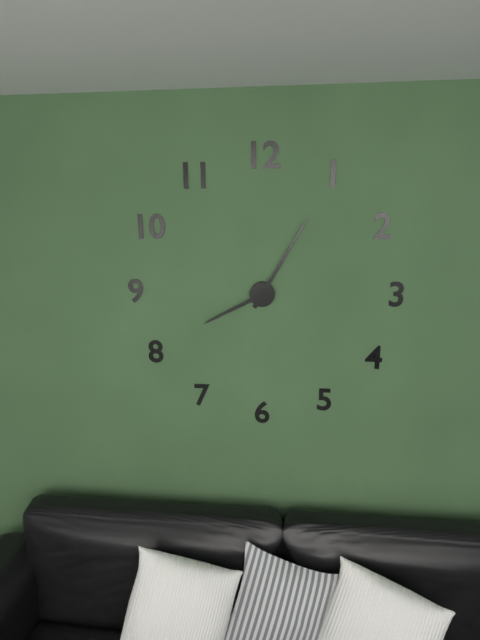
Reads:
{"hour": 8, "minute": 5}
